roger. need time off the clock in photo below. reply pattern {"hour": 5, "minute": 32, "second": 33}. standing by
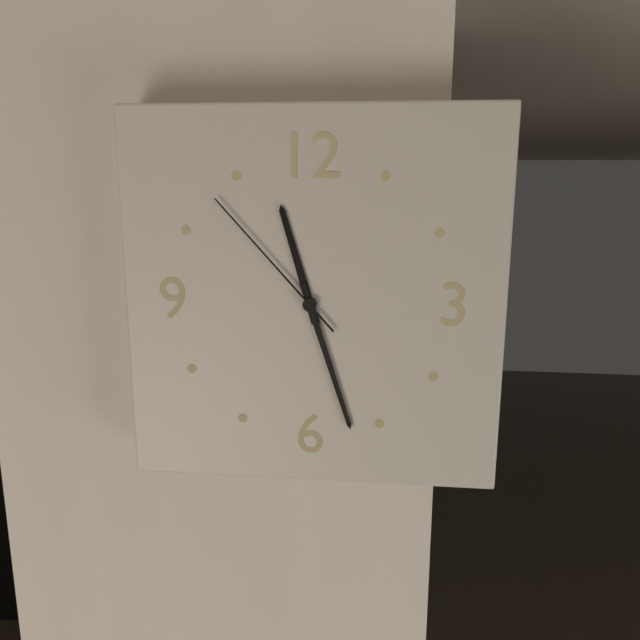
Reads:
{"hour": 11, "minute": 27, "second": 53}
